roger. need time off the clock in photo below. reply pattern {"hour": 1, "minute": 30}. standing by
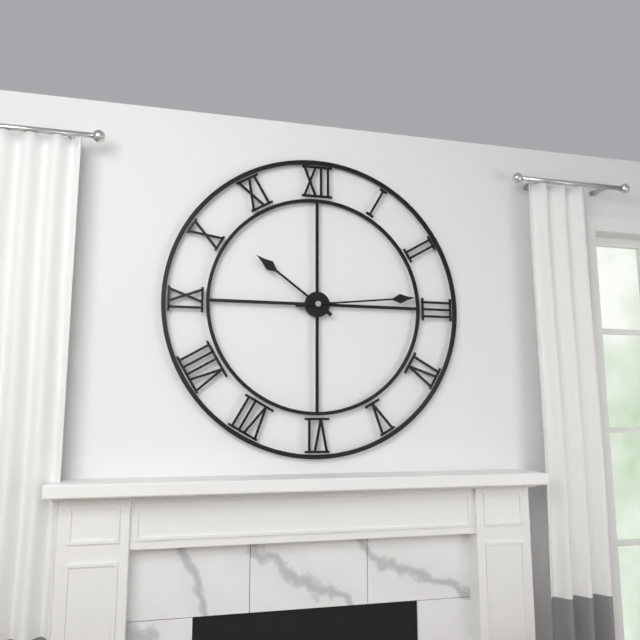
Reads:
{"hour": 10, "minute": 14}
